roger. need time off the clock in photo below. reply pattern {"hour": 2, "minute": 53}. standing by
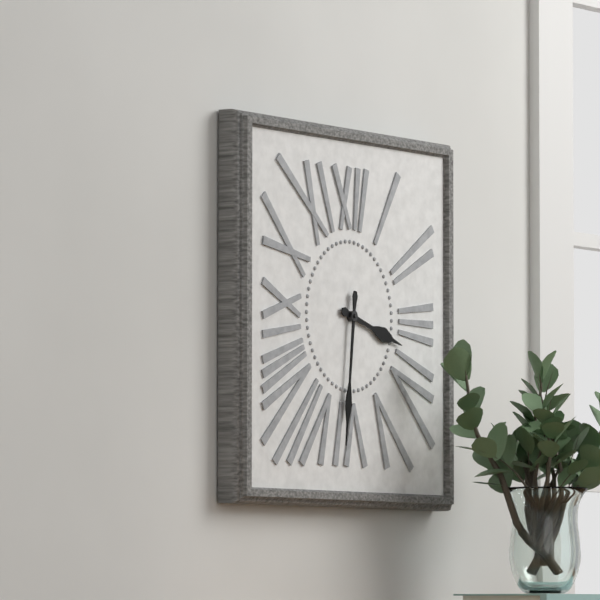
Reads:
{"hour": 3, "minute": 31}
